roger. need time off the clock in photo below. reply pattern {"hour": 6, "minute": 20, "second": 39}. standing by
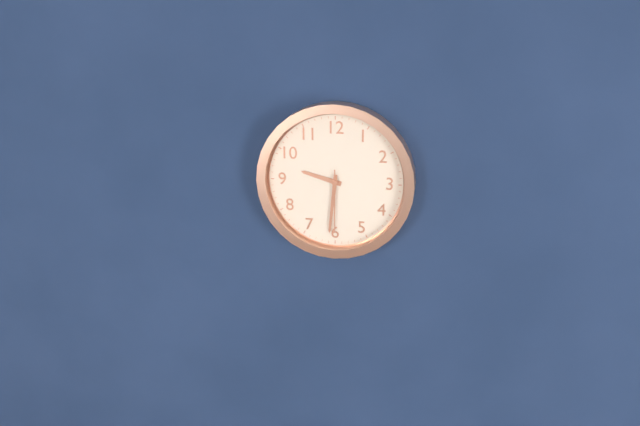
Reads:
{"hour": 9, "minute": 31, "second": 30}
